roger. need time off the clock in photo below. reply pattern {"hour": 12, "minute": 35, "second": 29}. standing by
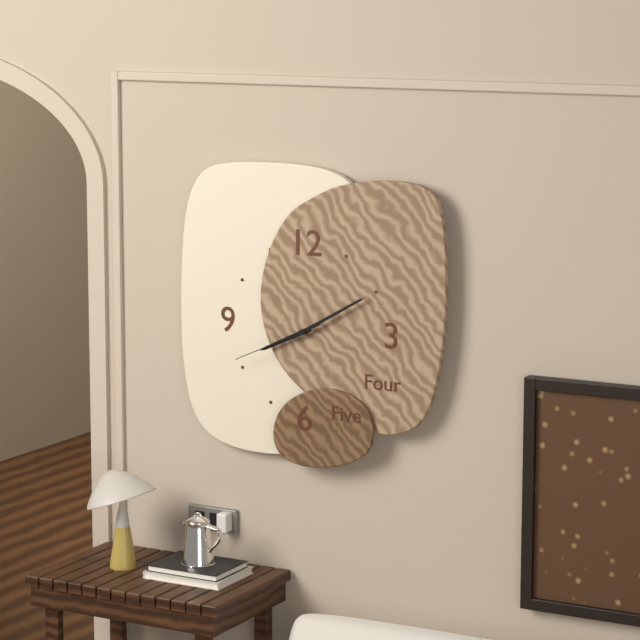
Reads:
{"hour": 8, "minute": 10, "second": 41}
